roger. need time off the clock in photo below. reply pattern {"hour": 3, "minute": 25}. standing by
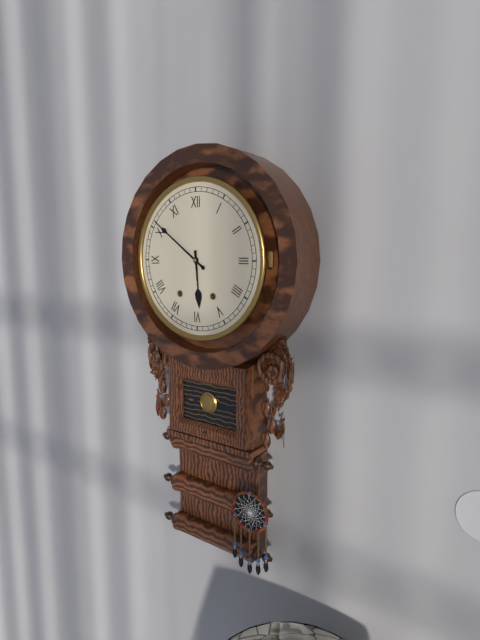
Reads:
{"hour": 5, "minute": 51}
